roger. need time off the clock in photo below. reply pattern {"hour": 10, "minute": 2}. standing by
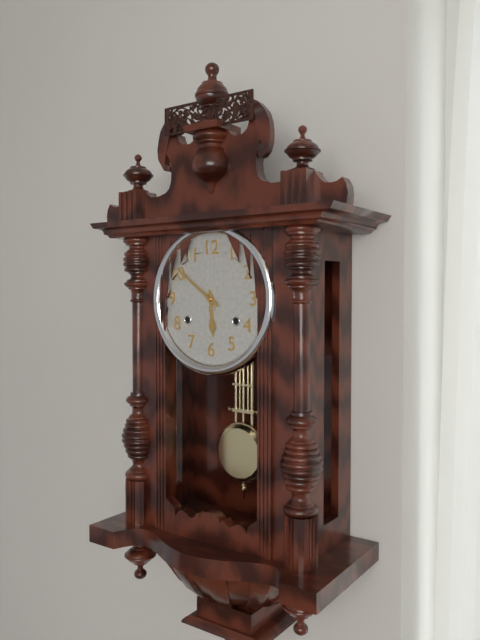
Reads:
{"hour": 5, "minute": 51}
